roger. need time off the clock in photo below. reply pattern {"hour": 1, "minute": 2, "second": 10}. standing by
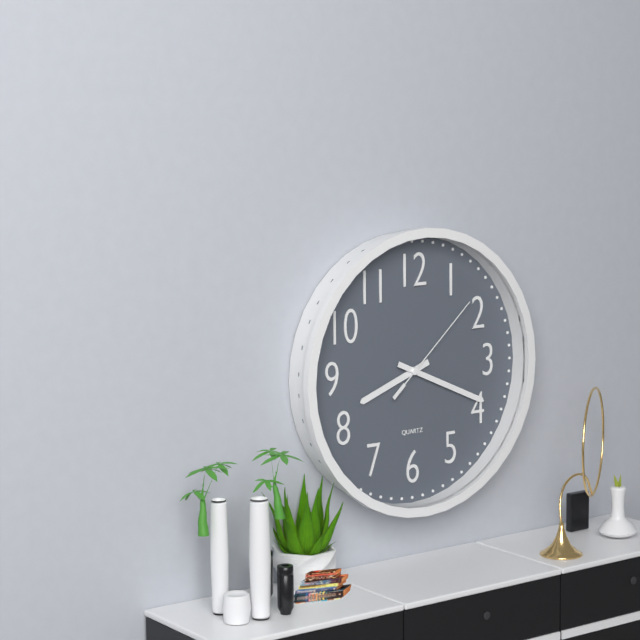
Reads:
{"hour": 8, "minute": 19, "second": 8}
